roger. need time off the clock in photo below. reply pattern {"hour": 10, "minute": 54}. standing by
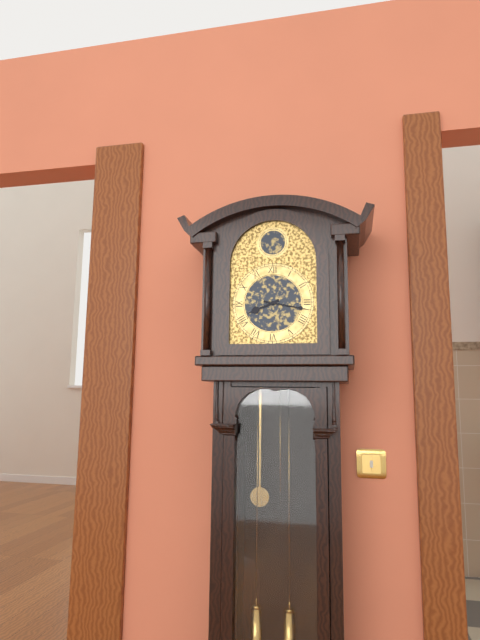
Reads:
{"hour": 8, "minute": 17}
